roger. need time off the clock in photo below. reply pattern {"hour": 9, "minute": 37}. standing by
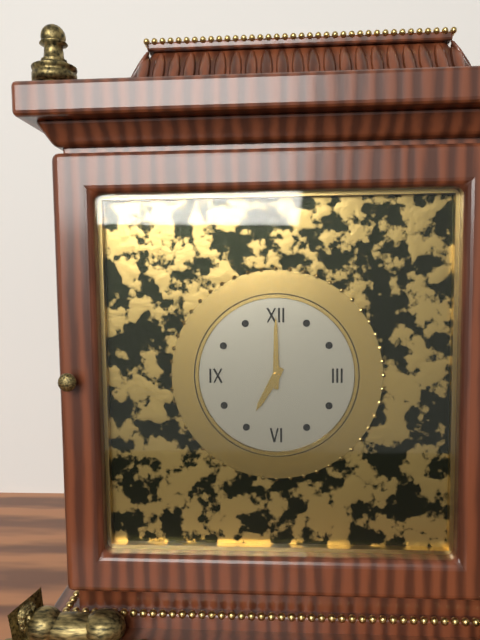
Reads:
{"hour": 7, "minute": 0}
